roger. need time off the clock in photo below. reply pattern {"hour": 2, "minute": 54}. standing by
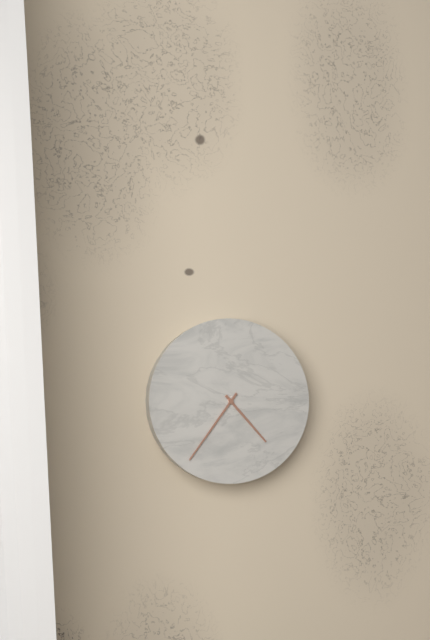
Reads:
{"hour": 4, "minute": 36}
